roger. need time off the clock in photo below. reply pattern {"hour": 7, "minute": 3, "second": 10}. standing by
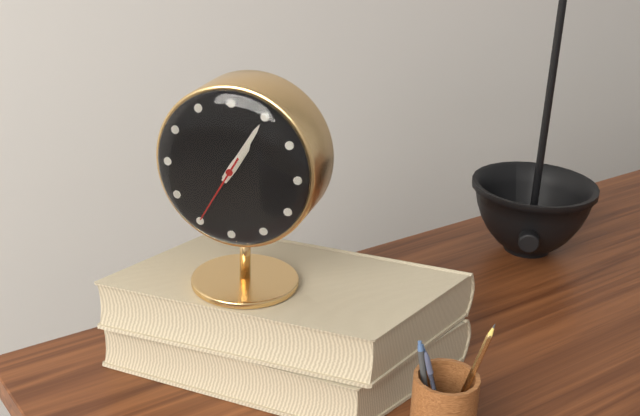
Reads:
{"hour": 1, "minute": 5, "second": 35}
